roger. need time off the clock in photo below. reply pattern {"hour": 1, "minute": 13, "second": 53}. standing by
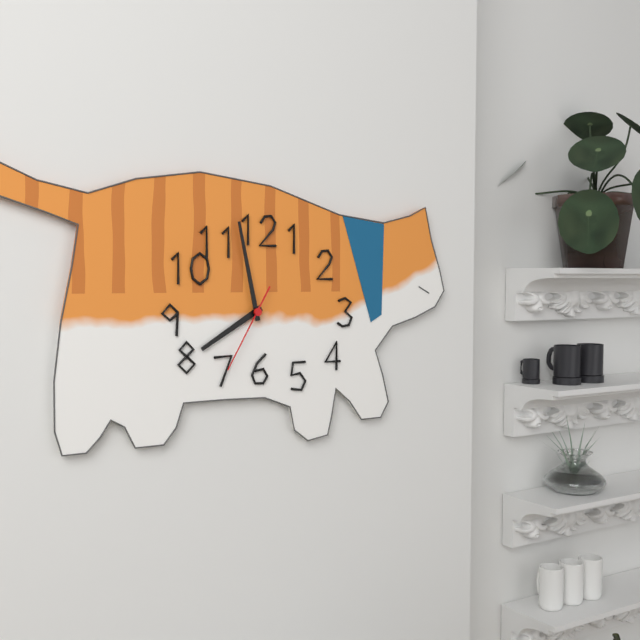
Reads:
{"hour": 7, "minute": 58, "second": 35}
